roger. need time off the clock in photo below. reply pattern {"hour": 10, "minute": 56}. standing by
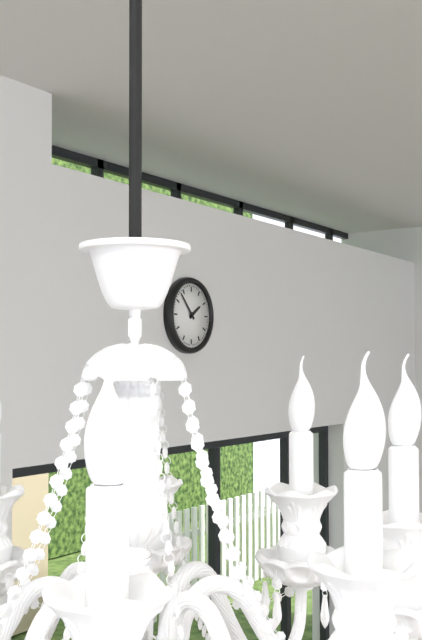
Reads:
{"hour": 1, "minute": 53}
